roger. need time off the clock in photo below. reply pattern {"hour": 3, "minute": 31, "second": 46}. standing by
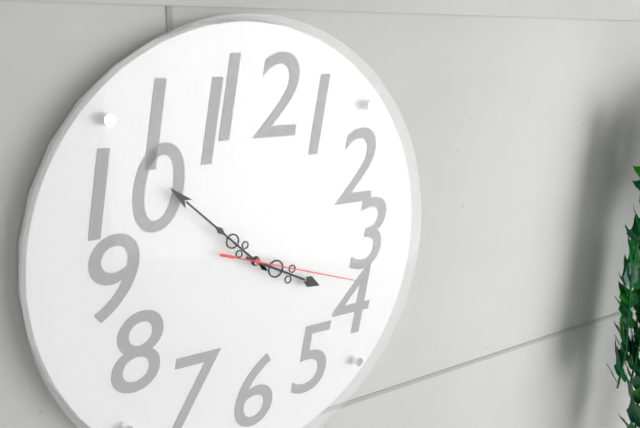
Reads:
{"hour": 3, "minute": 52, "second": 18}
